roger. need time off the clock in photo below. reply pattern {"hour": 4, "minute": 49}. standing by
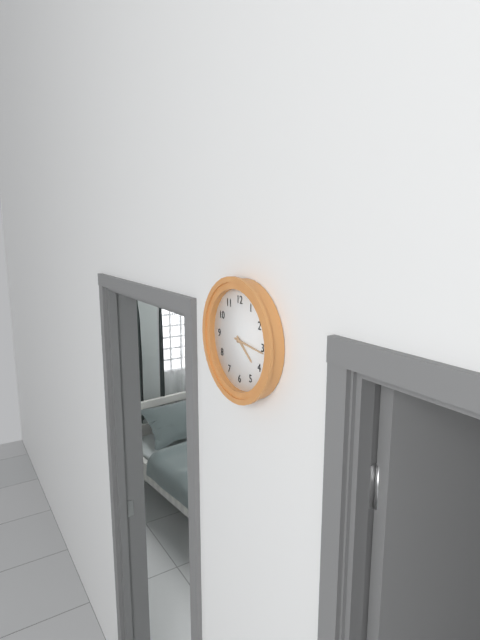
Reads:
{"hour": 4, "minute": 16}
